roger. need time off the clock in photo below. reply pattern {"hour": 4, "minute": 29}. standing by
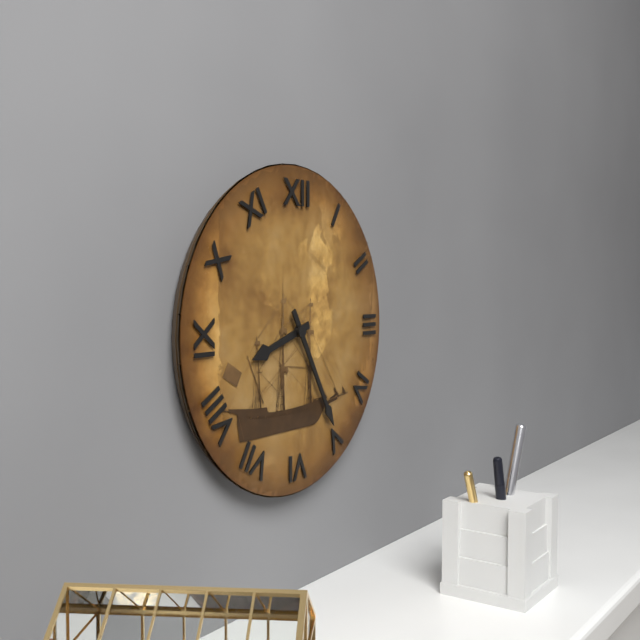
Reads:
{"hour": 8, "minute": 25}
